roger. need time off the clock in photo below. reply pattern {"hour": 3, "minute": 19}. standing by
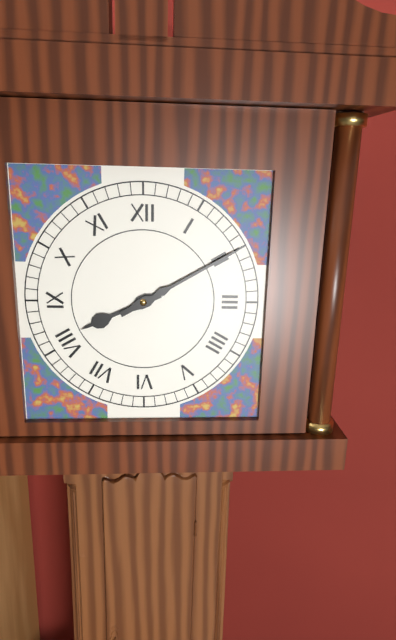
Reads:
{"hour": 8, "minute": 10}
